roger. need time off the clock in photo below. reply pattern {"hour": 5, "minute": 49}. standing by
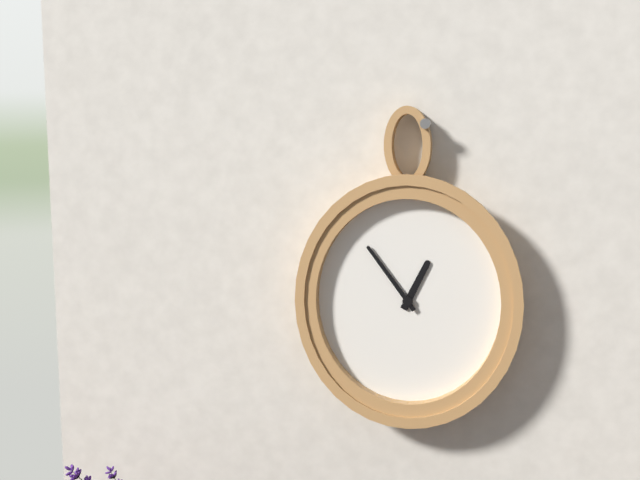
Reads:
{"hour": 12, "minute": 54}
